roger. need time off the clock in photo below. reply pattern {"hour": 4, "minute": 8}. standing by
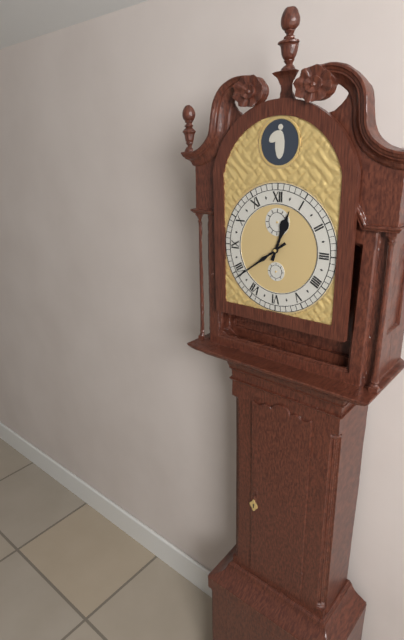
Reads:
{"hour": 12, "minute": 39}
